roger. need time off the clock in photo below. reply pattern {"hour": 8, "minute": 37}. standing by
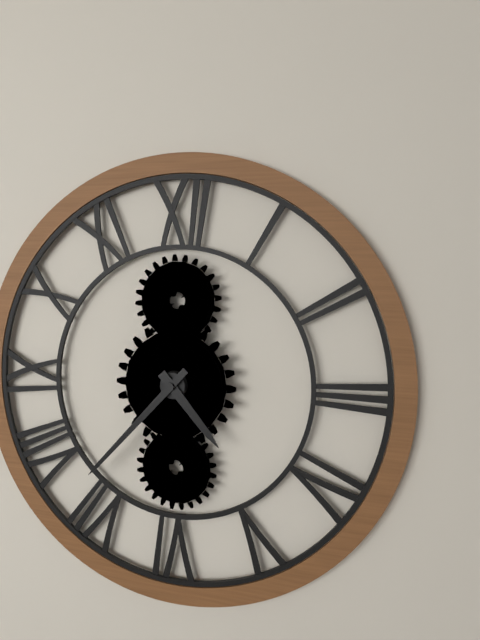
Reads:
{"hour": 4, "minute": 37}
